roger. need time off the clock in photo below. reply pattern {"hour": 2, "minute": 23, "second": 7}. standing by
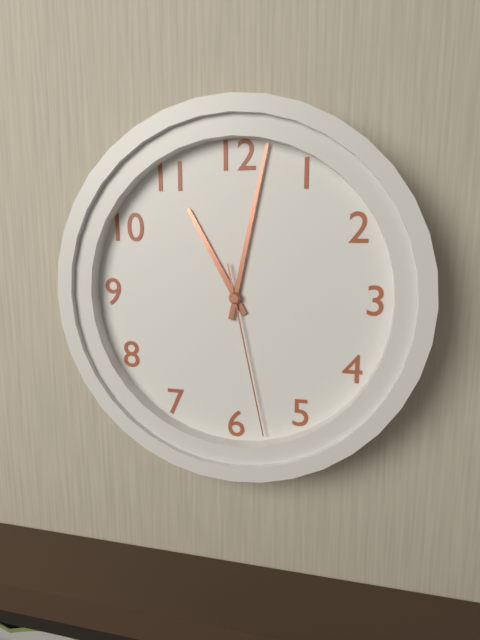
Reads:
{"hour": 11, "minute": 2, "second": 28}
